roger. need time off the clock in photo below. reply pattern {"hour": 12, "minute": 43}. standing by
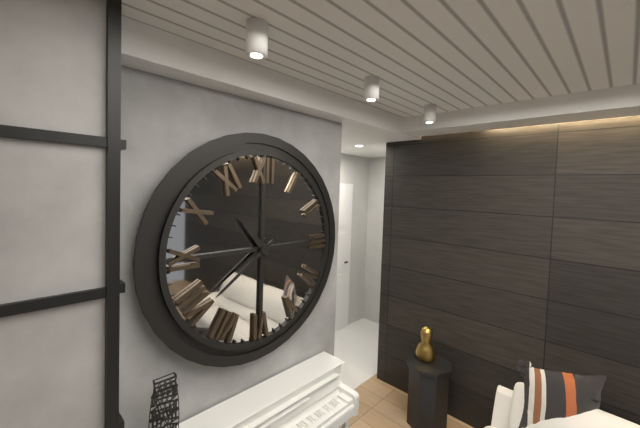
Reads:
{"hour": 10, "minute": 39}
